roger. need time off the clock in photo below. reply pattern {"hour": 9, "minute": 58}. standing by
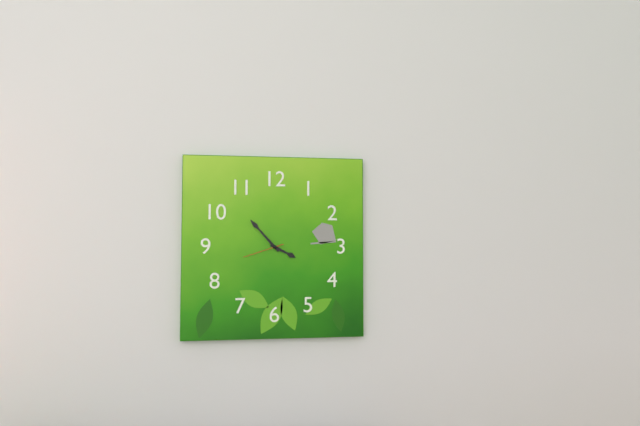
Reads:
{"hour": 3, "minute": 53}
